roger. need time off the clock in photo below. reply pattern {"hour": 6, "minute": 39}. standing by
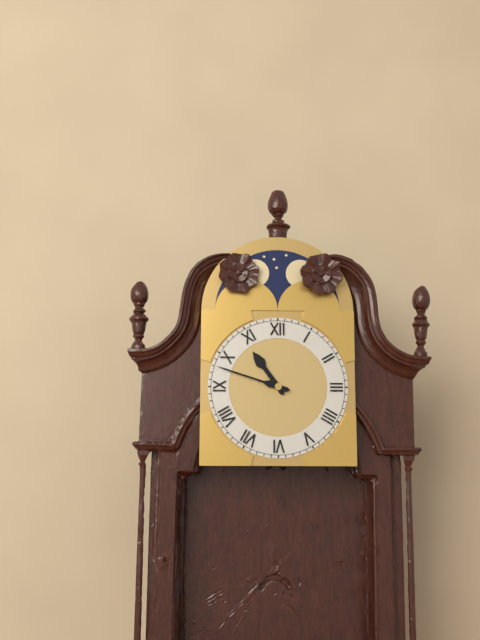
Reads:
{"hour": 10, "minute": 48}
